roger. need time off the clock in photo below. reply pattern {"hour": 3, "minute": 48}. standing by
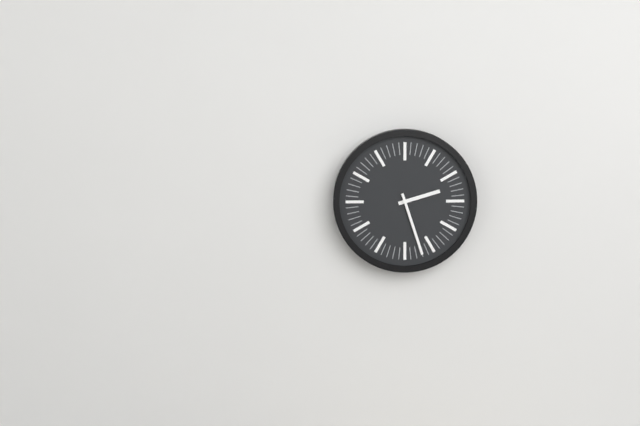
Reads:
{"hour": 2, "minute": 27}
